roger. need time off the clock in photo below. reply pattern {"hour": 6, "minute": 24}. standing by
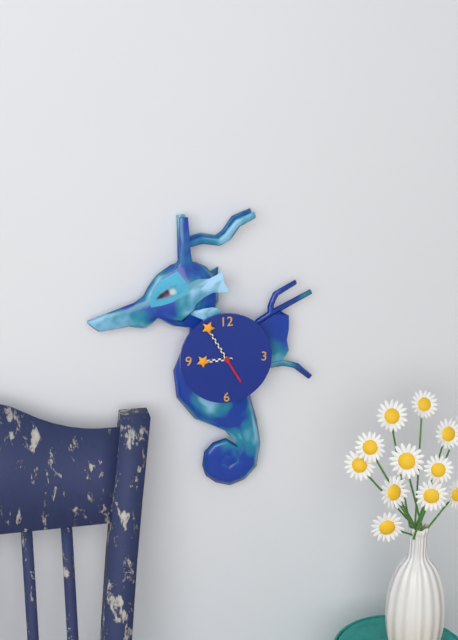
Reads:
{"hour": 8, "minute": 55}
